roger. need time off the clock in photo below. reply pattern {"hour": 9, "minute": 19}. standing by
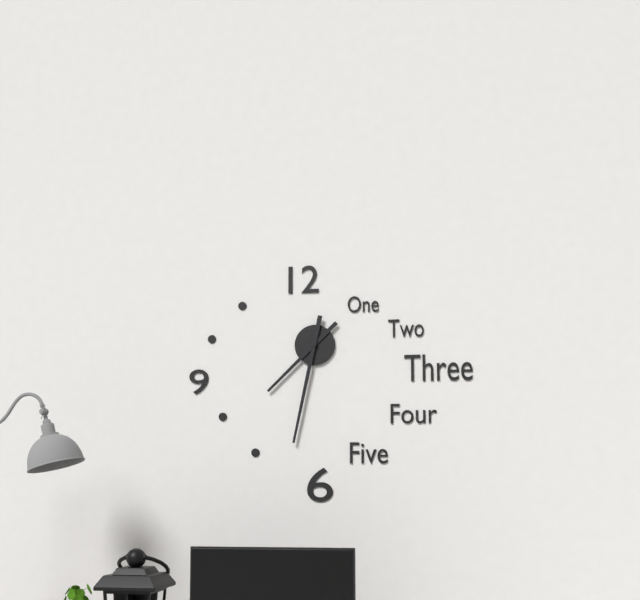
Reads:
{"hour": 7, "minute": 32}
